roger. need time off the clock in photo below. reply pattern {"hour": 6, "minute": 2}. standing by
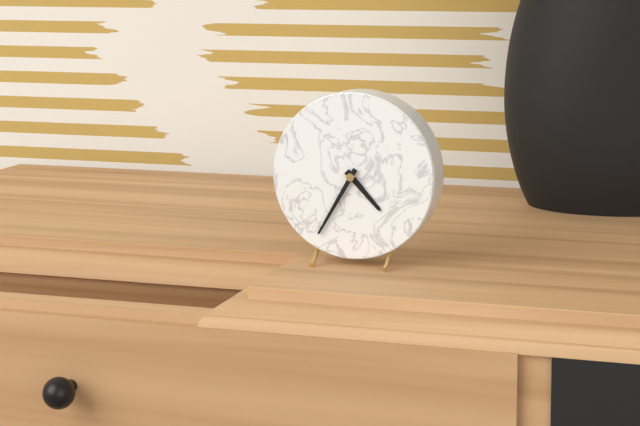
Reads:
{"hour": 4, "minute": 35}
